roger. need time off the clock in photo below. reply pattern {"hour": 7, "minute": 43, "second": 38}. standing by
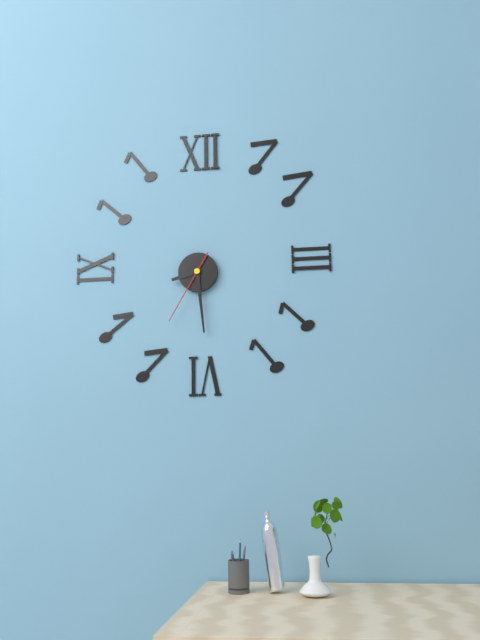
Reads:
{"hour": 8, "minute": 29, "second": 35}
